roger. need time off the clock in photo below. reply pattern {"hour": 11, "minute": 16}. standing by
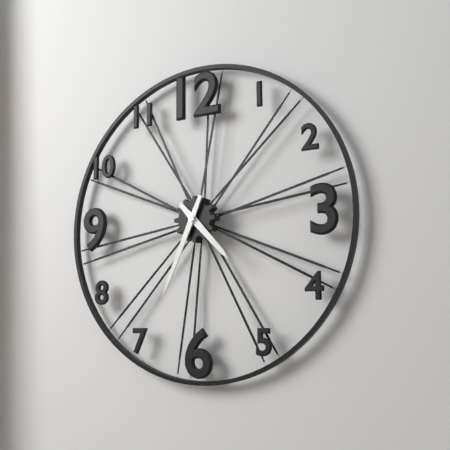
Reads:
{"hour": 4, "minute": 34}
